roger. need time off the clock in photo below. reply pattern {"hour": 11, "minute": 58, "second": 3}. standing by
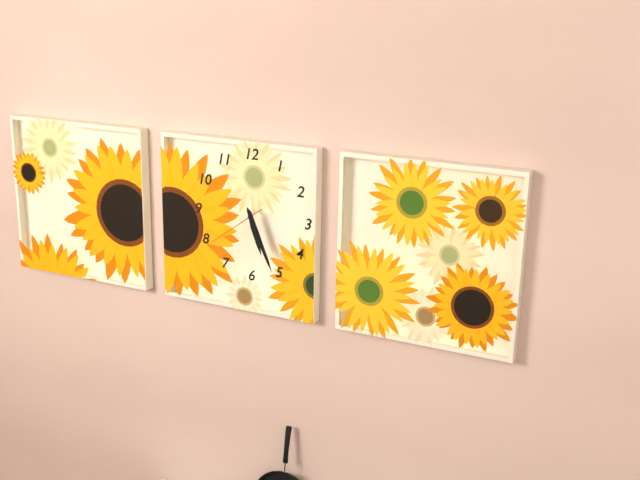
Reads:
{"hour": 5, "minute": 26, "second": 39}
